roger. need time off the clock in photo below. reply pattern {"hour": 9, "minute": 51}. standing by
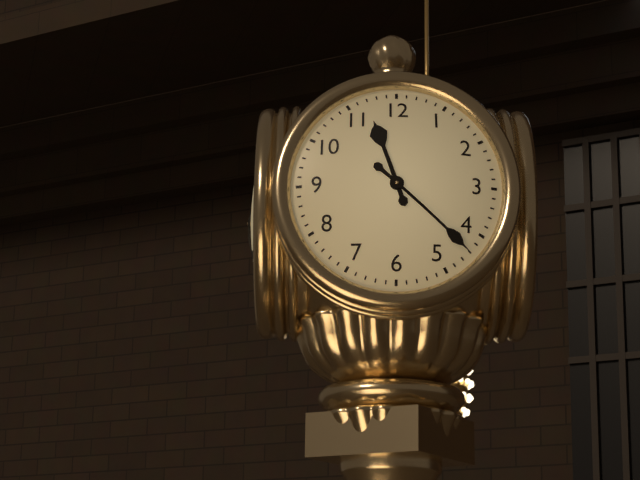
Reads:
{"hour": 11, "minute": 22}
